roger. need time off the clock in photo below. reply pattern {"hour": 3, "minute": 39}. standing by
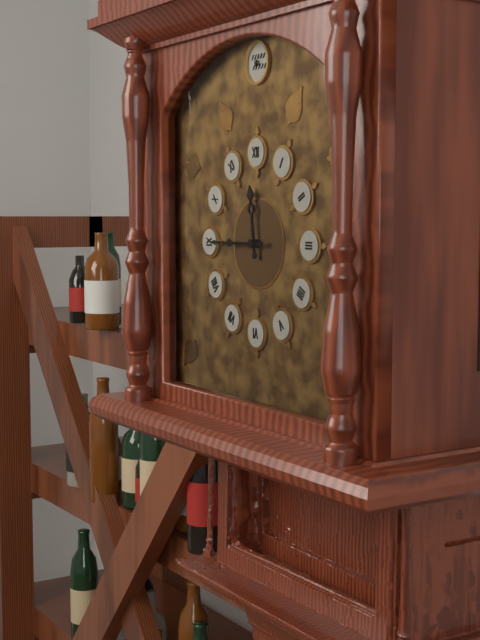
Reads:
{"hour": 11, "minute": 45}
